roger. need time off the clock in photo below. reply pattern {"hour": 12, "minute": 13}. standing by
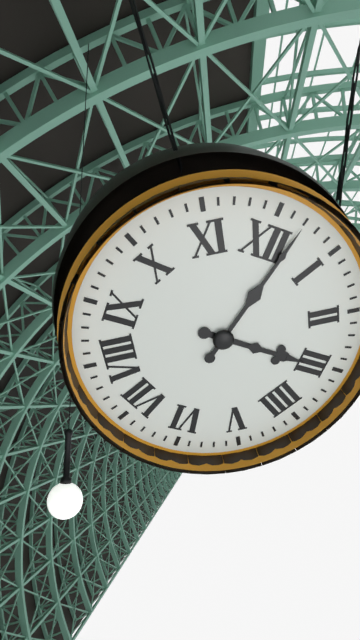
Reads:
{"hour": 3, "minute": 2}
